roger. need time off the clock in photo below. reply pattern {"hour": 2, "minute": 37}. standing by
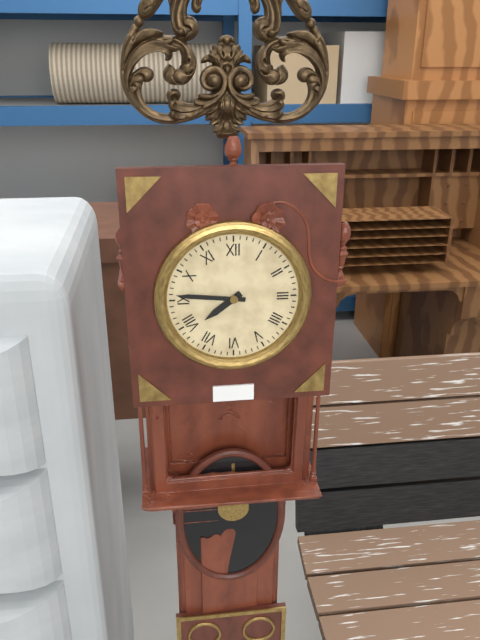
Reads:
{"hour": 7, "minute": 46}
